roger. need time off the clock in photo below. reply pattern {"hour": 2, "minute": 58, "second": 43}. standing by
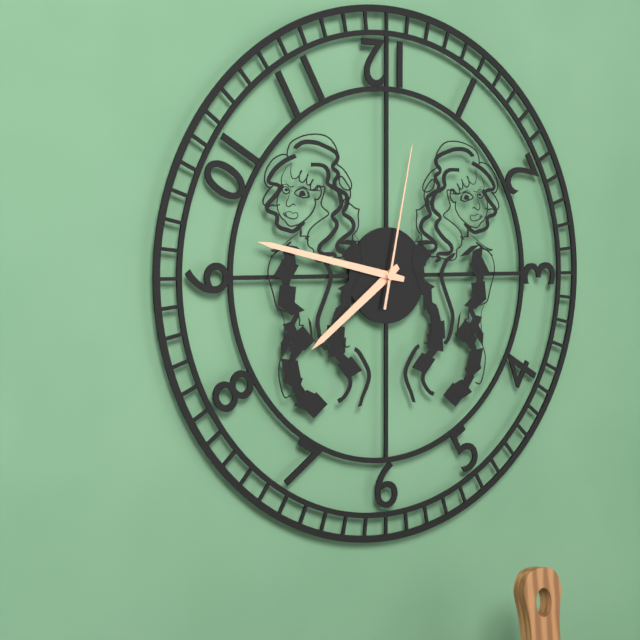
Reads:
{"hour": 7, "minute": 47, "second": 2}
